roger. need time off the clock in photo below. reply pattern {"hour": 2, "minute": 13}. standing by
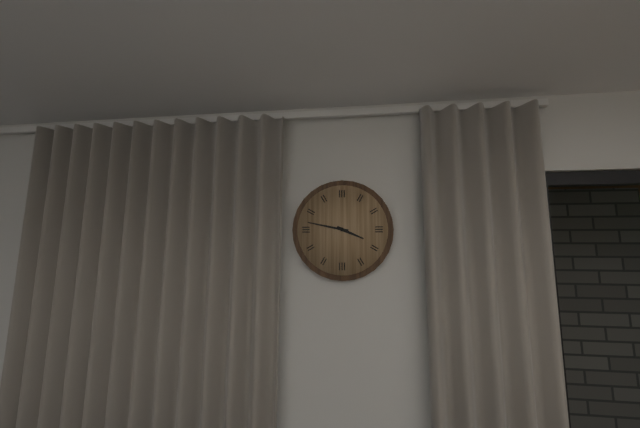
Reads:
{"hour": 3, "minute": 47}
